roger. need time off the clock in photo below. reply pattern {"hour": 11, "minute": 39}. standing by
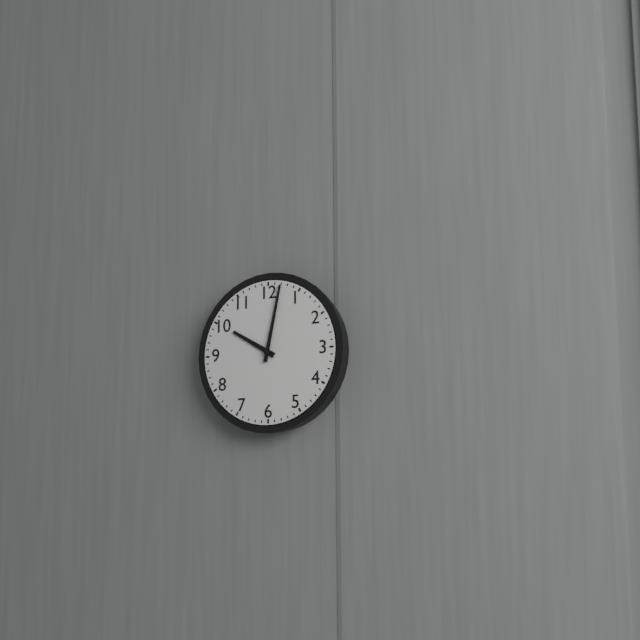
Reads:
{"hour": 10, "minute": 2}
